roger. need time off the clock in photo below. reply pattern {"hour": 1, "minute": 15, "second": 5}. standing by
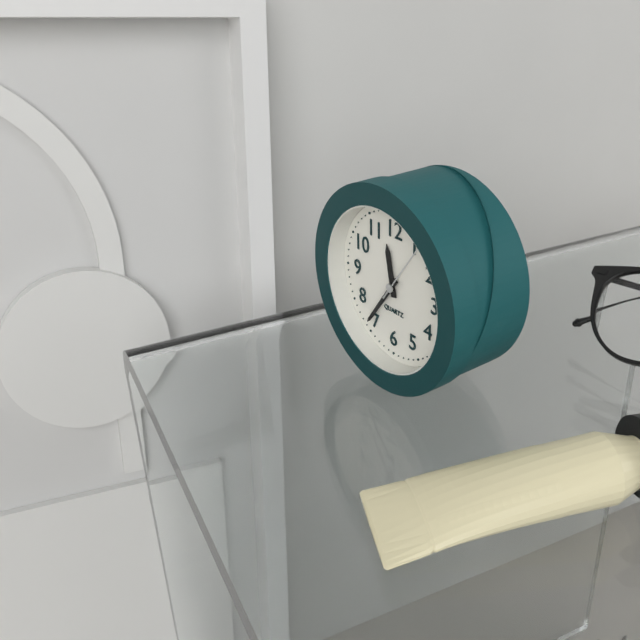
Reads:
{"hour": 11, "minute": 36, "second": 6}
